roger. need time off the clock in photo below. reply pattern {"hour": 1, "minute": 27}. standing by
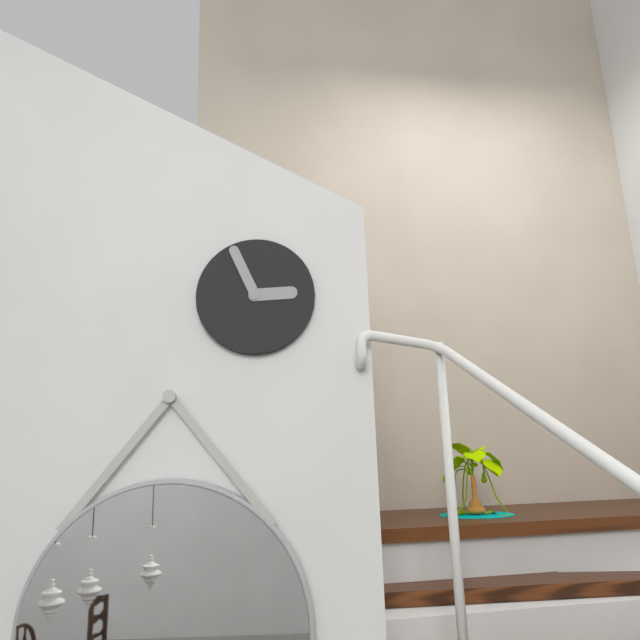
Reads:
{"hour": 2, "minute": 56}
